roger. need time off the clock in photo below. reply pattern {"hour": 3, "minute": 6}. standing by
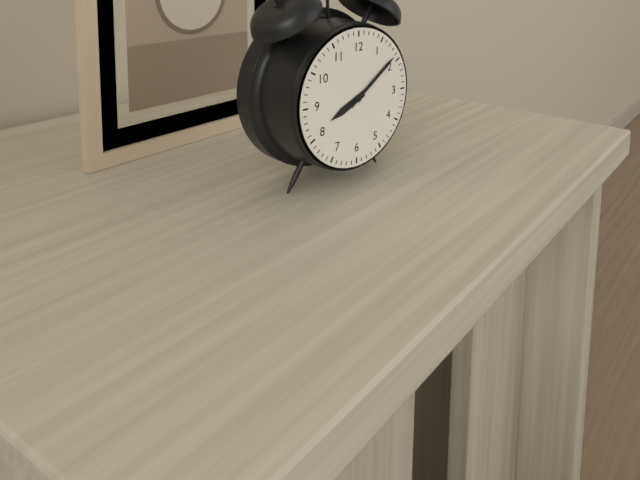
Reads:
{"hour": 8, "minute": 9}
